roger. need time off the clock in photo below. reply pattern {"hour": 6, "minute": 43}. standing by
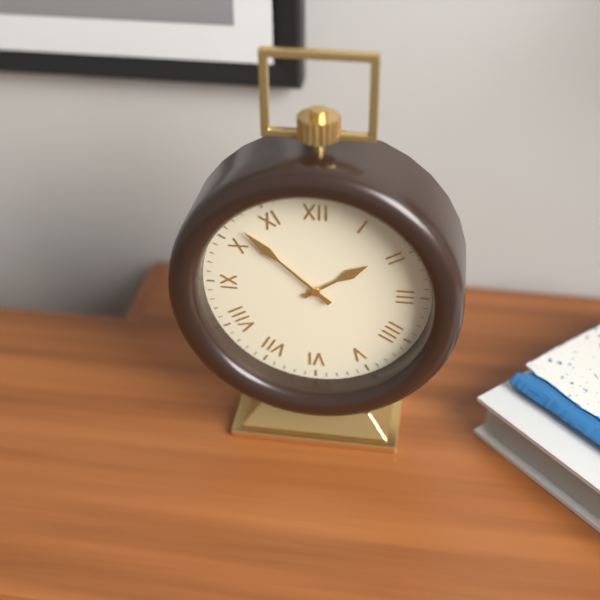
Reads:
{"hour": 1, "minute": 52}
